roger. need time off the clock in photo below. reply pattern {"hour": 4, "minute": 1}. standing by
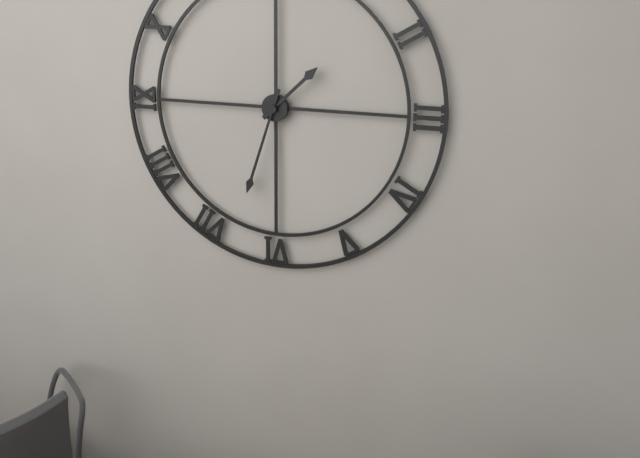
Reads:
{"hour": 1, "minute": 33}
